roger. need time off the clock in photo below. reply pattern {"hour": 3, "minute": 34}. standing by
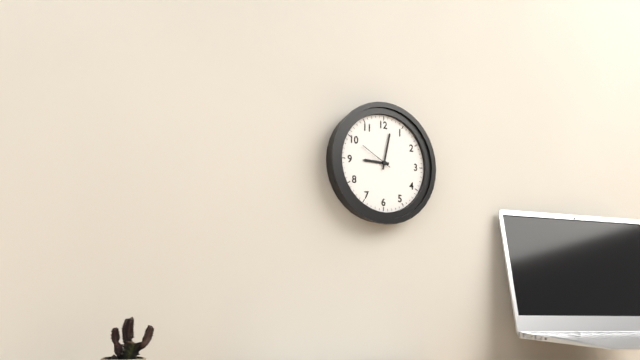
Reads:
{"hour": 9, "minute": 2}
